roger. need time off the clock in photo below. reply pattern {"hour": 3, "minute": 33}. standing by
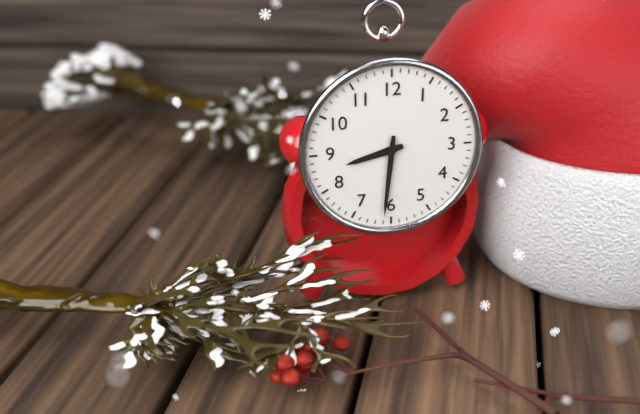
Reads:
{"hour": 8, "minute": 31}
